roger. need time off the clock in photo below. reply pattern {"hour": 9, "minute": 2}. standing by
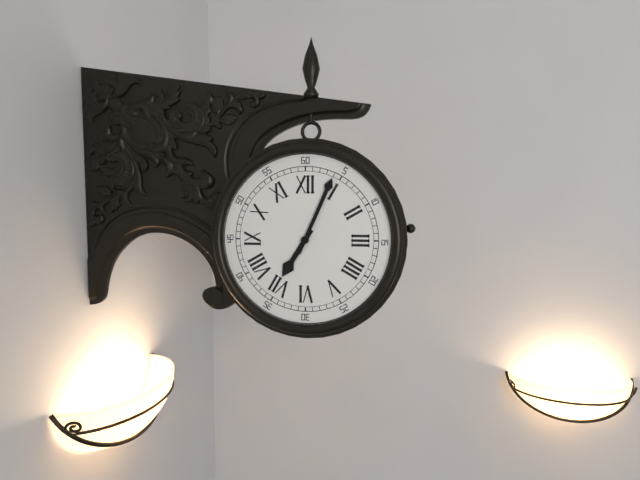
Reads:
{"hour": 7, "minute": 4}
